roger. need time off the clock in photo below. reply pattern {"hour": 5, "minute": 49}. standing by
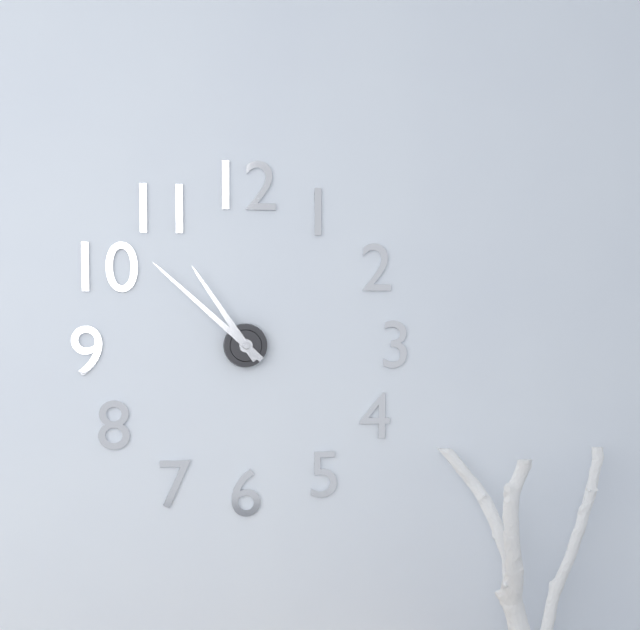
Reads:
{"hour": 10, "minute": 52}
